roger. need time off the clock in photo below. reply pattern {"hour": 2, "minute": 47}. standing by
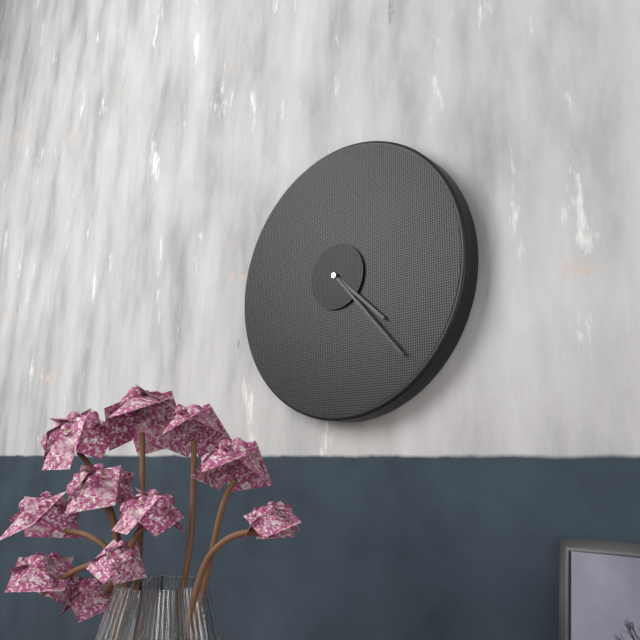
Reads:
{"hour": 4, "minute": 23}
